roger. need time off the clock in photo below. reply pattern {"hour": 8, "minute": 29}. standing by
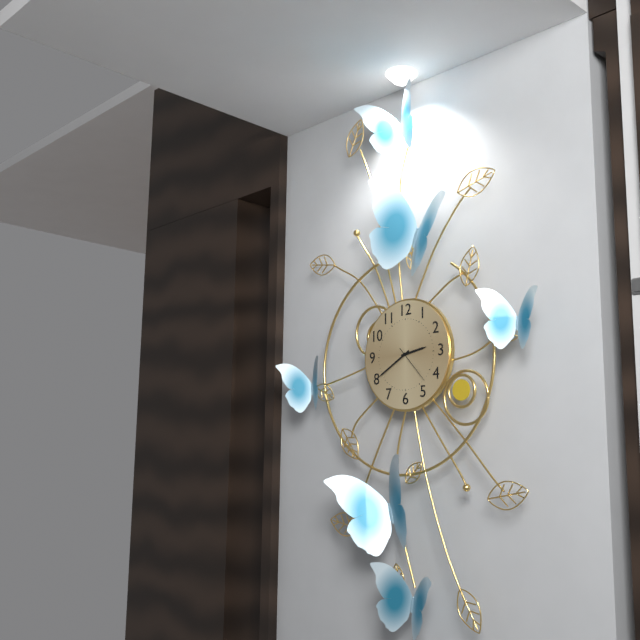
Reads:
{"hour": 2, "minute": 40}
